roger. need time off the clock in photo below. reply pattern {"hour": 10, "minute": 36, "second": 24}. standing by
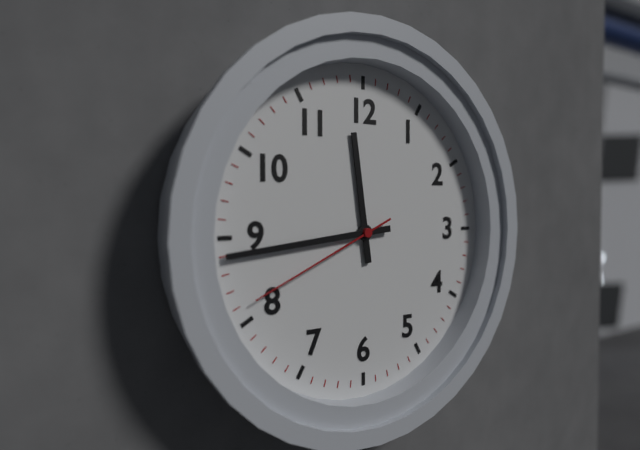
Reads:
{"hour": 11, "minute": 44, "second": 41}
